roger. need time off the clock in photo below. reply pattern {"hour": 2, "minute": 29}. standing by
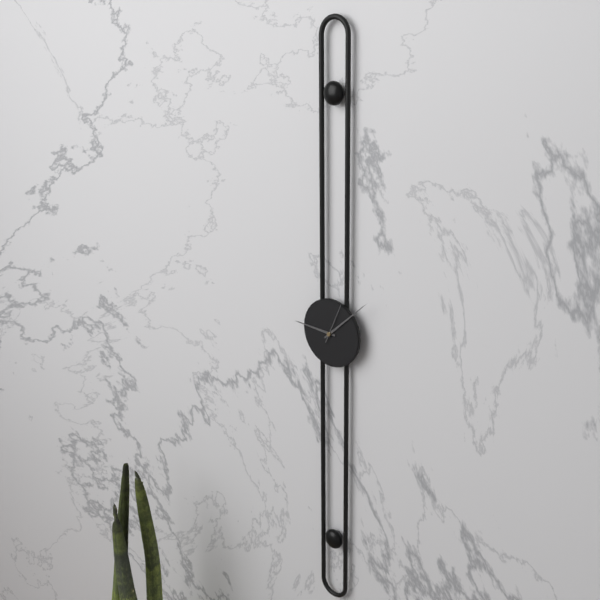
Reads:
{"hour": 9, "minute": 8}
